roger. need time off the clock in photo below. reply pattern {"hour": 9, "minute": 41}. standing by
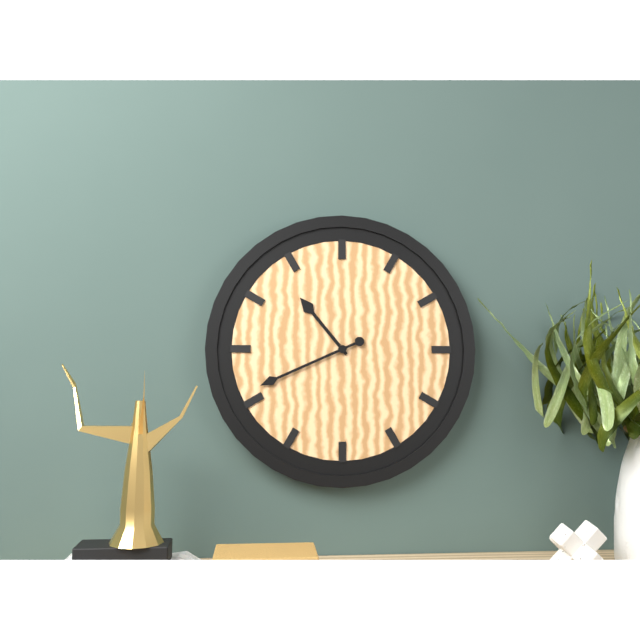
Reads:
{"hour": 10, "minute": 41}
